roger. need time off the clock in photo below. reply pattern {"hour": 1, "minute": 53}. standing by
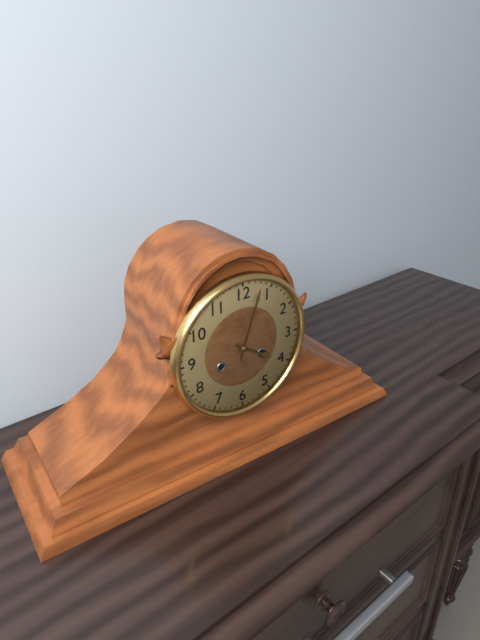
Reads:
{"hour": 4, "minute": 3}
